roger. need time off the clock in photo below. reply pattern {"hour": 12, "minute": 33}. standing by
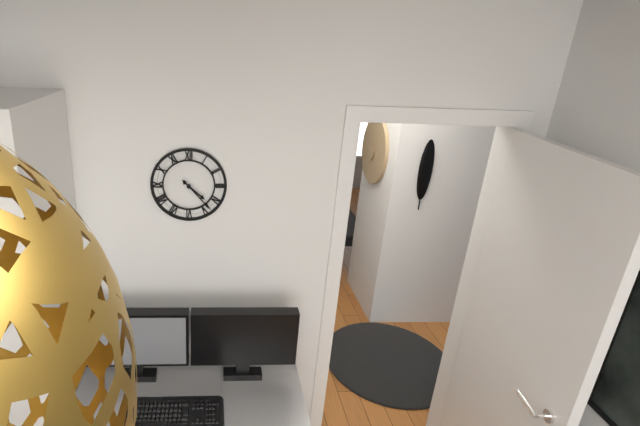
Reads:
{"hour": 4, "minute": 23}
